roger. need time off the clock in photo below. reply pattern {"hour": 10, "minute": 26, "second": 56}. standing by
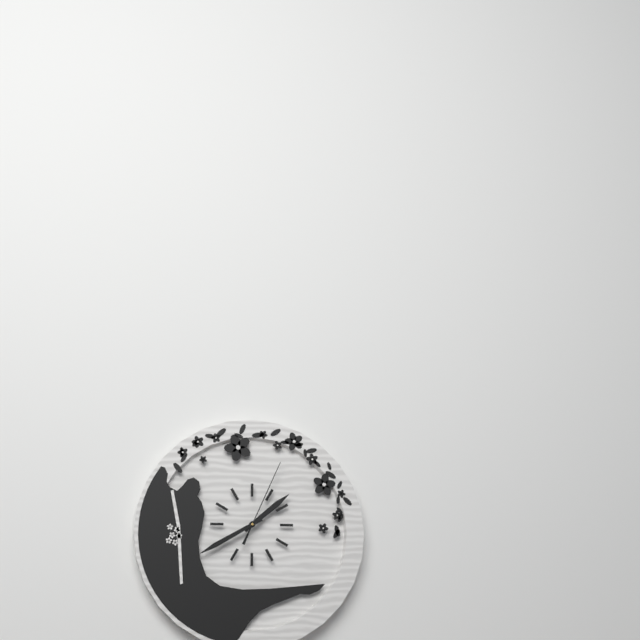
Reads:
{"hour": 1, "minute": 40, "second": 4}
